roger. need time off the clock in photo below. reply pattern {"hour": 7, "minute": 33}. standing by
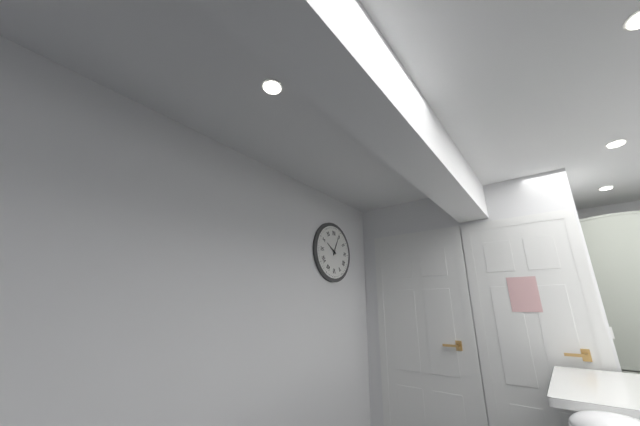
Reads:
{"hour": 10, "minute": 4}
